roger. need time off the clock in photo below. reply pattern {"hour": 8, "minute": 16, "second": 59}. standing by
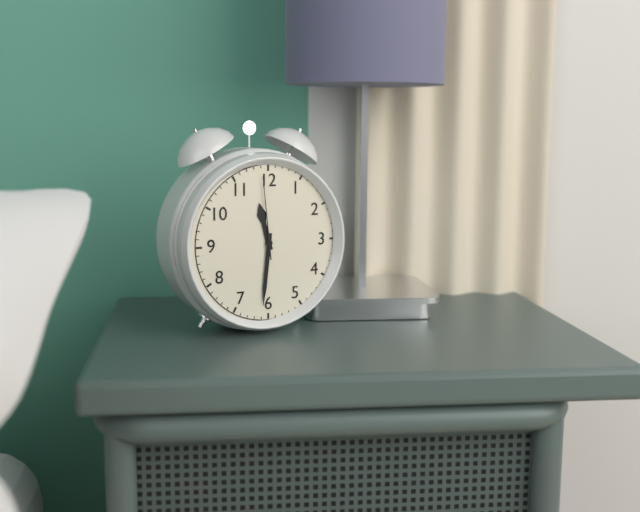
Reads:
{"hour": 11, "minute": 31, "second": 59}
